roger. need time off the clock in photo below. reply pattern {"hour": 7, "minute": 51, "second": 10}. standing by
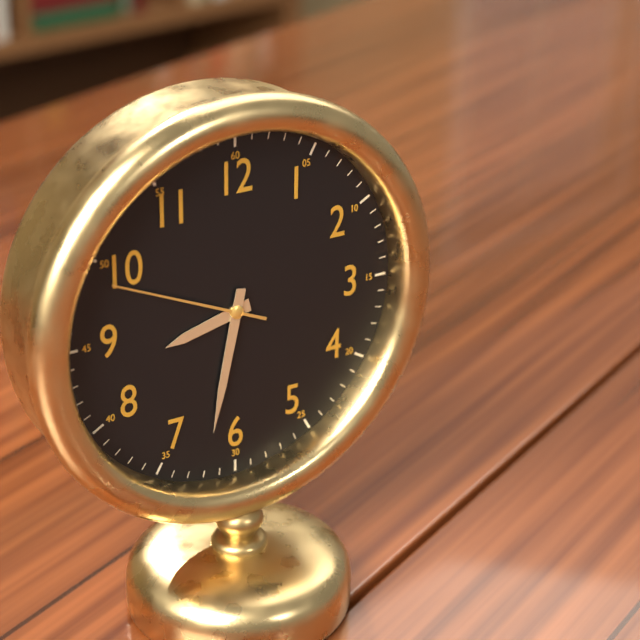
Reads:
{"hour": 8, "minute": 32, "second": 49}
